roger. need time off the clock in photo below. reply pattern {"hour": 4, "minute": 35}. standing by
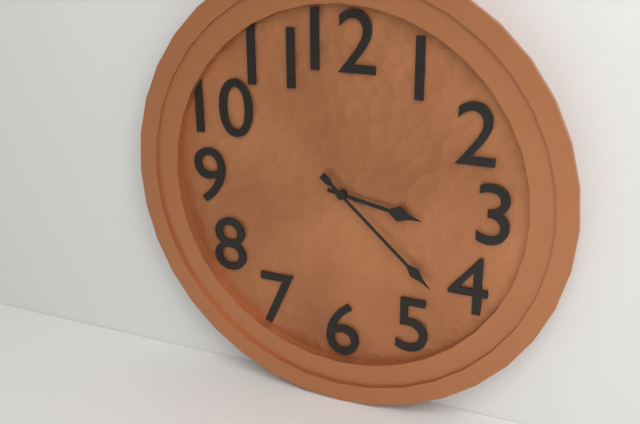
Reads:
{"hour": 3, "minute": 22}
